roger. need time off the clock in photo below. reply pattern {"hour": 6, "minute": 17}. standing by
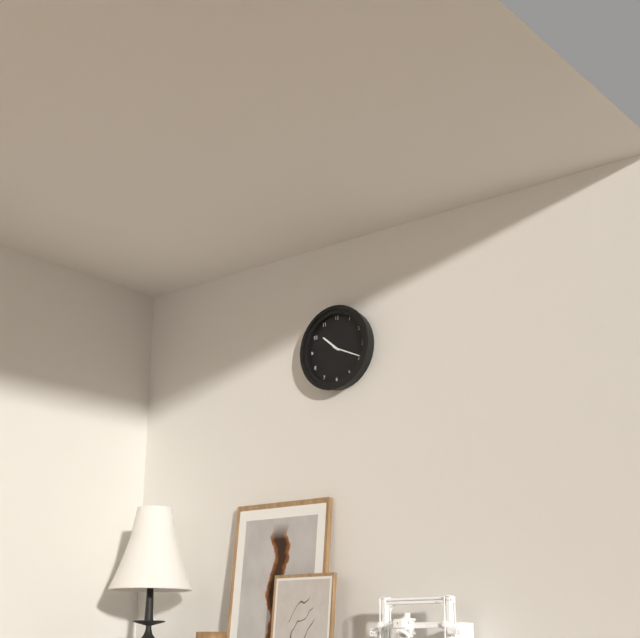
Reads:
{"hour": 10, "minute": 19}
